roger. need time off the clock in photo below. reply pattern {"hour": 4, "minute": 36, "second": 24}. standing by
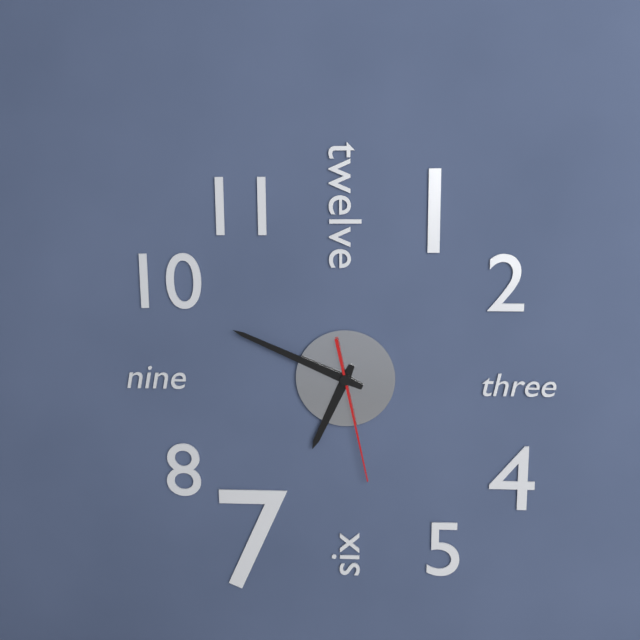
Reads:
{"hour": 6, "minute": 49, "second": 28}
